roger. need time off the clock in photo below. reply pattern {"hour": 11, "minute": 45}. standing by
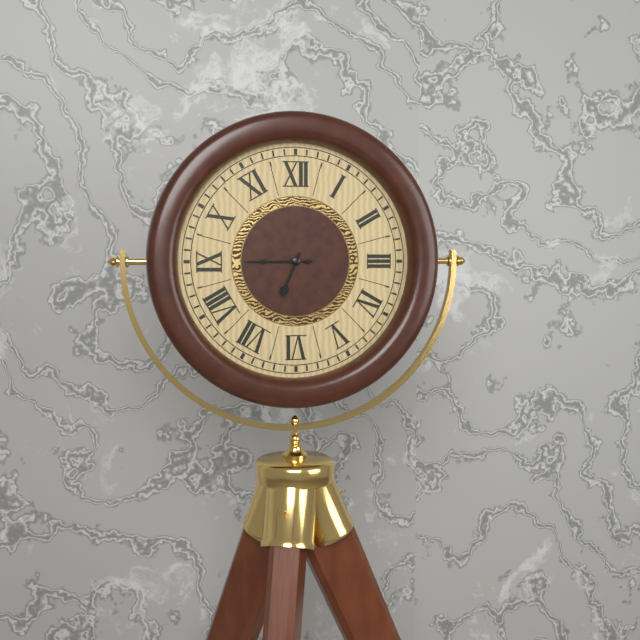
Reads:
{"hour": 6, "minute": 45}
